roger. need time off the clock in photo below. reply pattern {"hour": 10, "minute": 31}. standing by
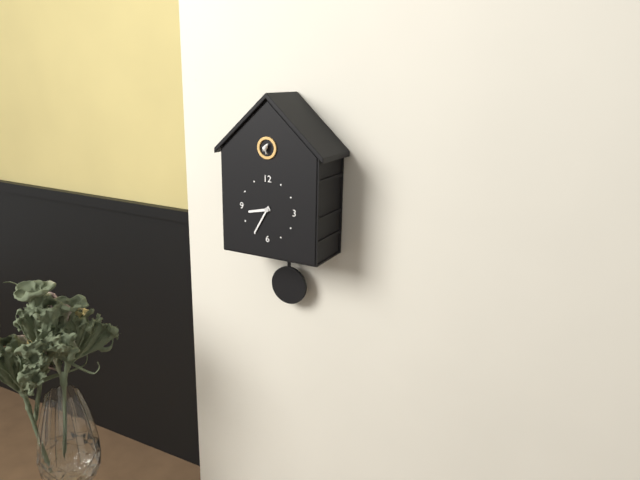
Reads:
{"hour": 8, "minute": 35}
